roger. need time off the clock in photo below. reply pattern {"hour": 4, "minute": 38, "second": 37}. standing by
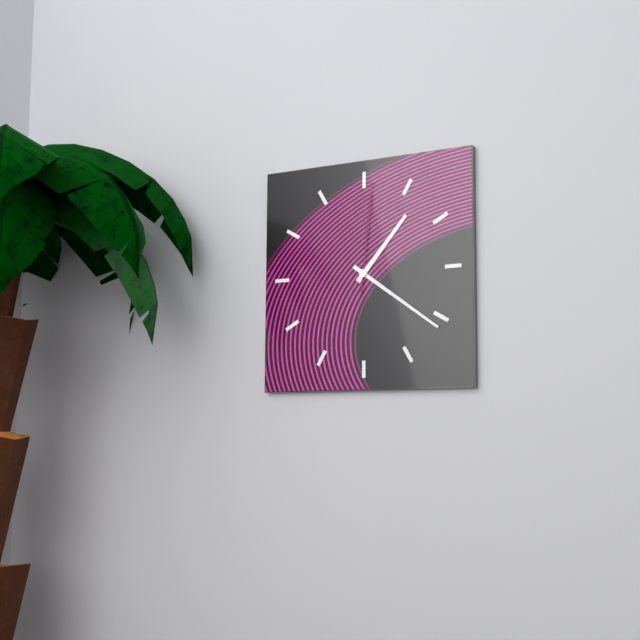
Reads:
{"hour": 1, "minute": 21, "second": 1}
